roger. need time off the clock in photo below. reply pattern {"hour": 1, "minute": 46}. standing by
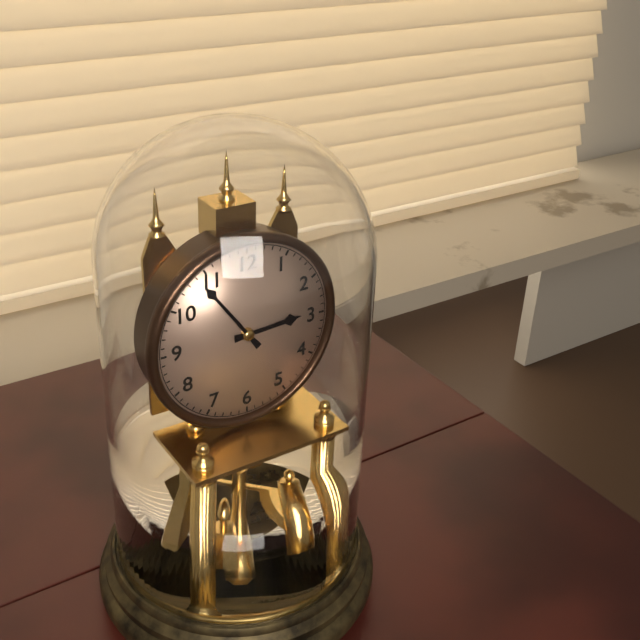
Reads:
{"hour": 2, "minute": 54}
